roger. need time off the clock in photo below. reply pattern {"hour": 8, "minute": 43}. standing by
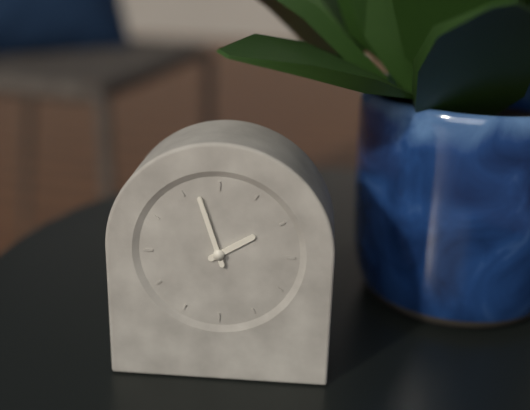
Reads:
{"hour": 1, "minute": 57}
